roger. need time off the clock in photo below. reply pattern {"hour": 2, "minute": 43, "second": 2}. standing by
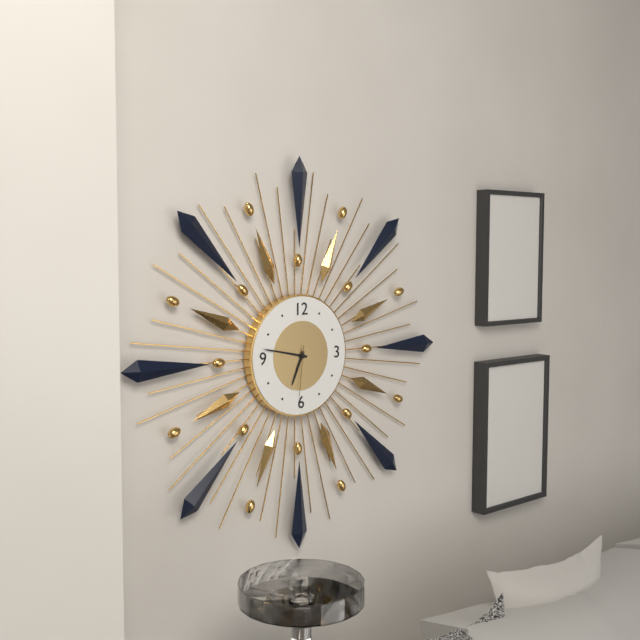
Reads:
{"hour": 6, "minute": 47, "second": 31}
